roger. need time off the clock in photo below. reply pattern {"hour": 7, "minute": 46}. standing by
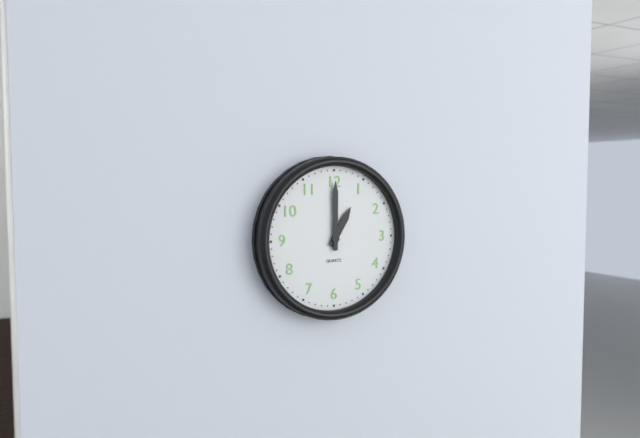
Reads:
{"hour": 1, "minute": 0}
